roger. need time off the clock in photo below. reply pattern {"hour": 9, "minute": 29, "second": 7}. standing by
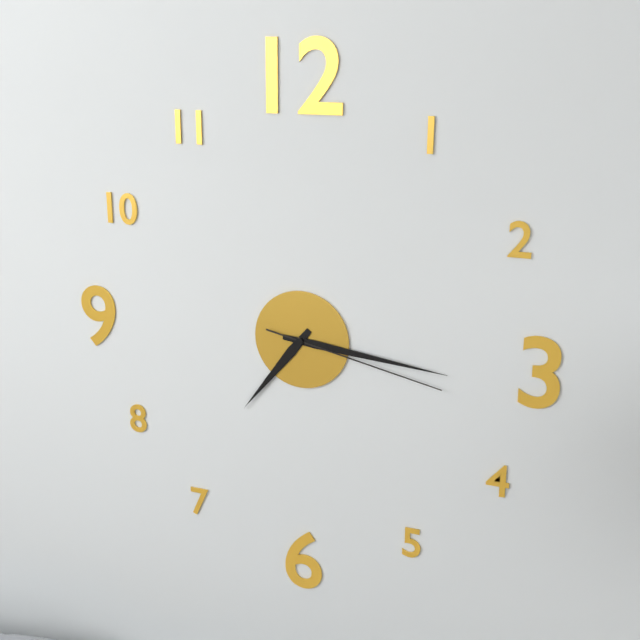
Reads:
{"hour": 7, "minute": 16, "second": 17}
